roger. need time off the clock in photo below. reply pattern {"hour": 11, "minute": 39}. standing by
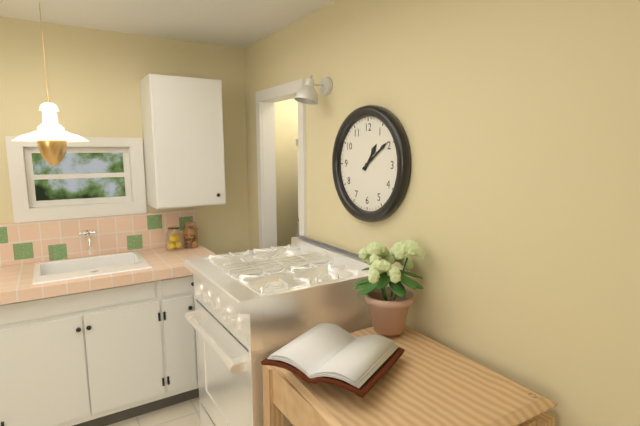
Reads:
{"hour": 1, "minute": 9}
